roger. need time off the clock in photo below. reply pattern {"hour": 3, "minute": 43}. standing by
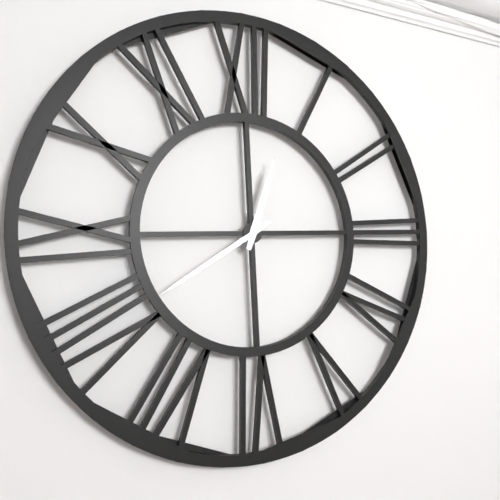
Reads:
{"hour": 12, "minute": 40}
